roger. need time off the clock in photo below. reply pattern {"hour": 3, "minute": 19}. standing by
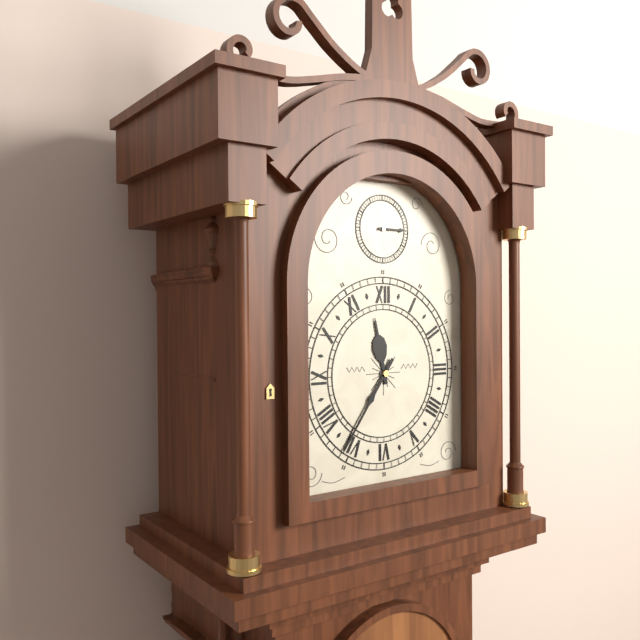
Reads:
{"hour": 11, "minute": 36}
